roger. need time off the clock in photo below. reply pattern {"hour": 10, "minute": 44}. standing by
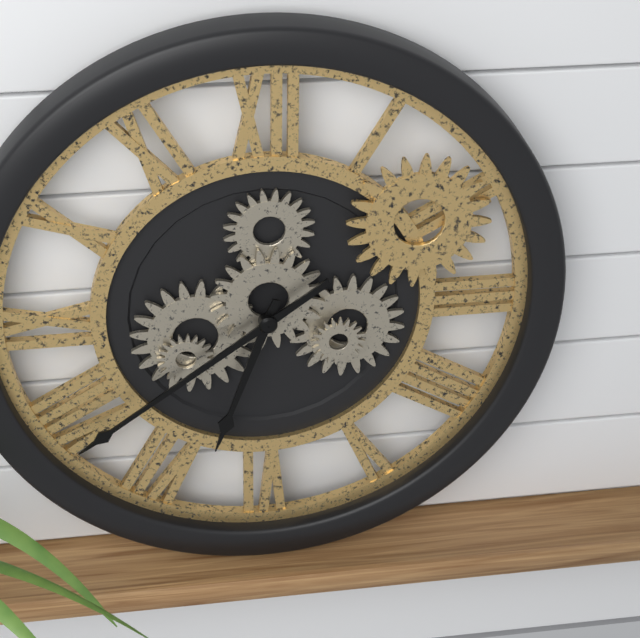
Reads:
{"hour": 6, "minute": 39}
